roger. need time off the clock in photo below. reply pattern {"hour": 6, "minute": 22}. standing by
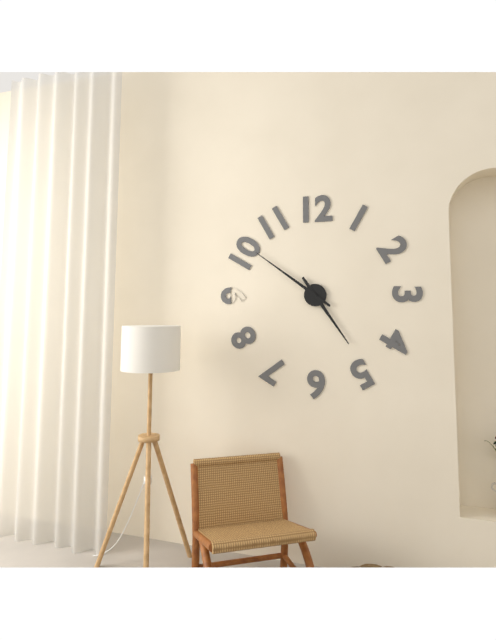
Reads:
{"hour": 4, "minute": 51}
